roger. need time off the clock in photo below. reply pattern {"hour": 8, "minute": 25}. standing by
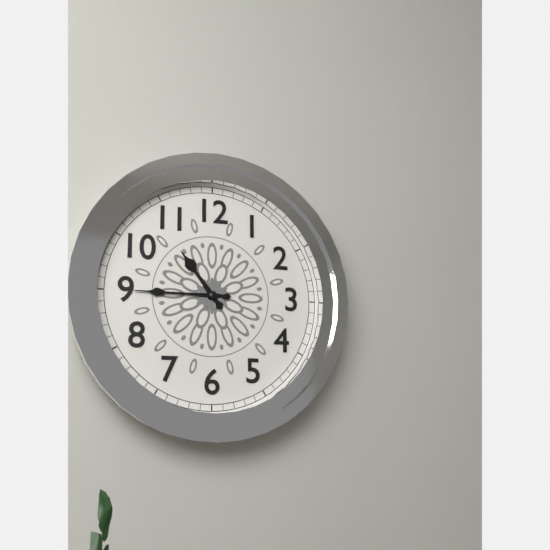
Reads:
{"hour": 10, "minute": 45}
